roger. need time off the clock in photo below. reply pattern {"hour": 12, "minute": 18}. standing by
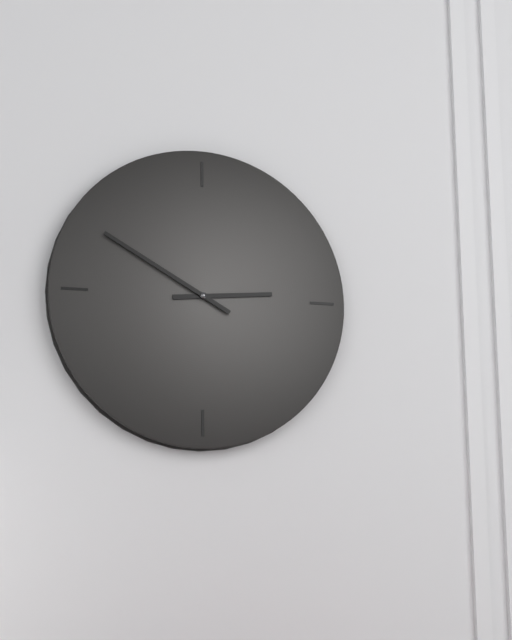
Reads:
{"hour": 2, "minute": 50}
